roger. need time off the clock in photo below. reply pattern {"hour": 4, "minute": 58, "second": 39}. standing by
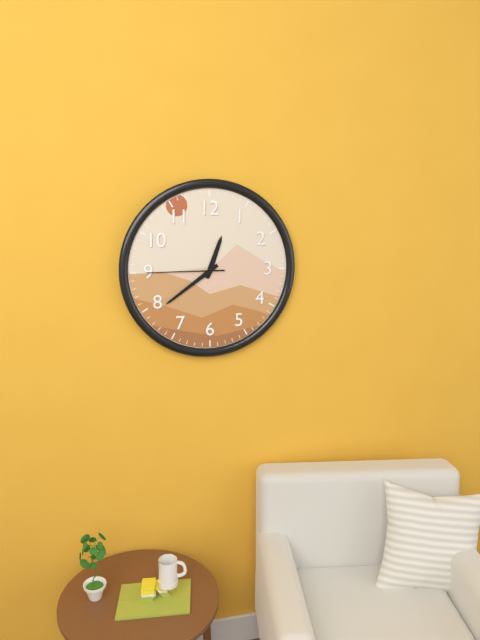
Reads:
{"hour": 12, "minute": 39, "second": 45}
